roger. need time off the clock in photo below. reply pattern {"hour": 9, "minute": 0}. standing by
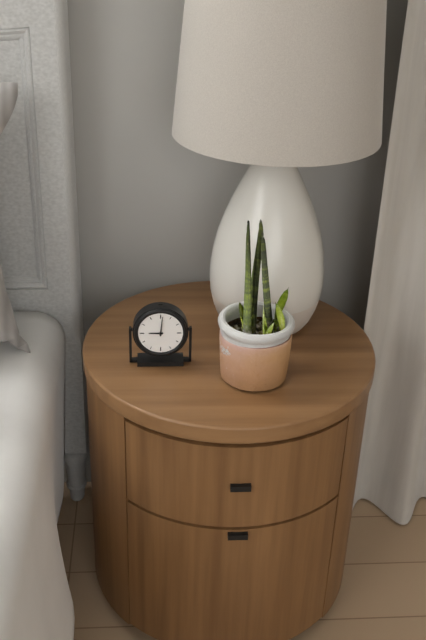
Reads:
{"hour": 9, "minute": 1}
